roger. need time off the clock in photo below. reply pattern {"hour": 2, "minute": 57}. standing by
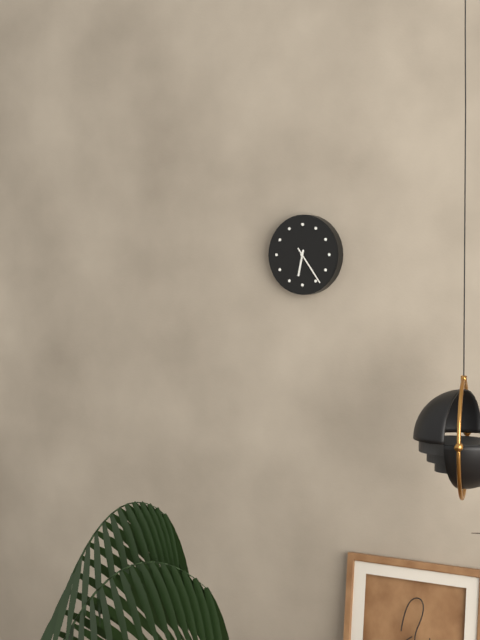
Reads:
{"hour": 6, "minute": 24}
